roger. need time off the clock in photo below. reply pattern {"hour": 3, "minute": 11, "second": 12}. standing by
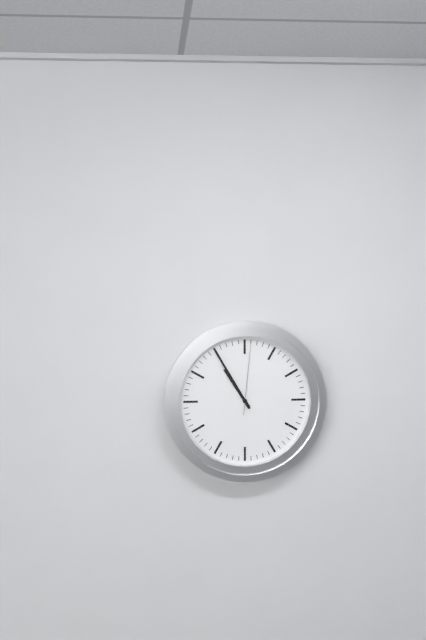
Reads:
{"hour": 10, "minute": 55, "second": 1}
